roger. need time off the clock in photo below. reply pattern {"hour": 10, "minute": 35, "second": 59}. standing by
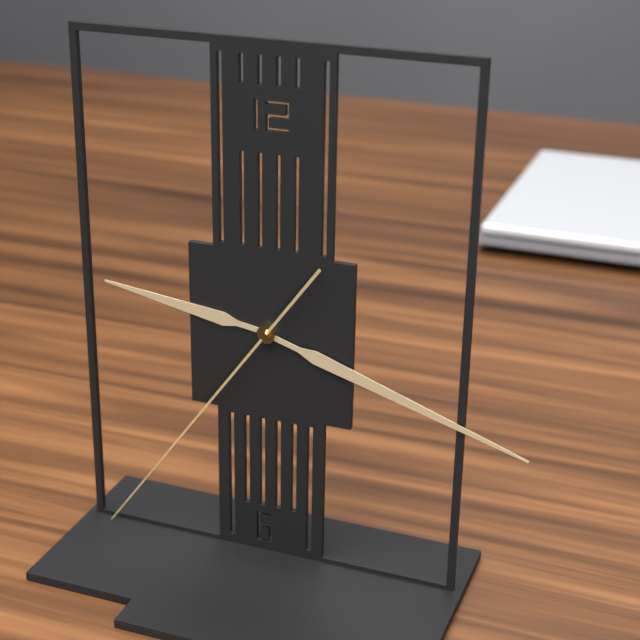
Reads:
{"hour": 9, "minute": 18, "second": 36}
